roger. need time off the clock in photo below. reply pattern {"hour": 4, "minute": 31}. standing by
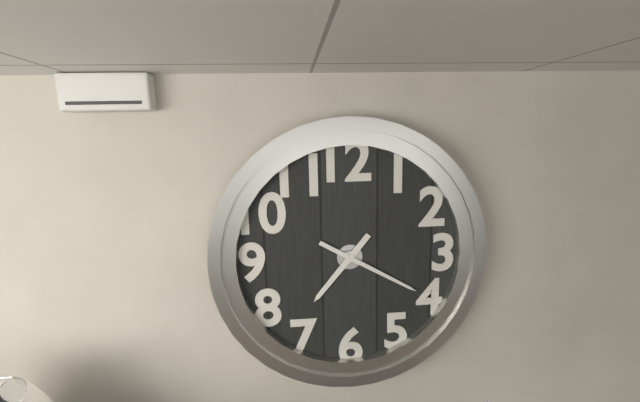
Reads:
{"hour": 7, "minute": 20}
